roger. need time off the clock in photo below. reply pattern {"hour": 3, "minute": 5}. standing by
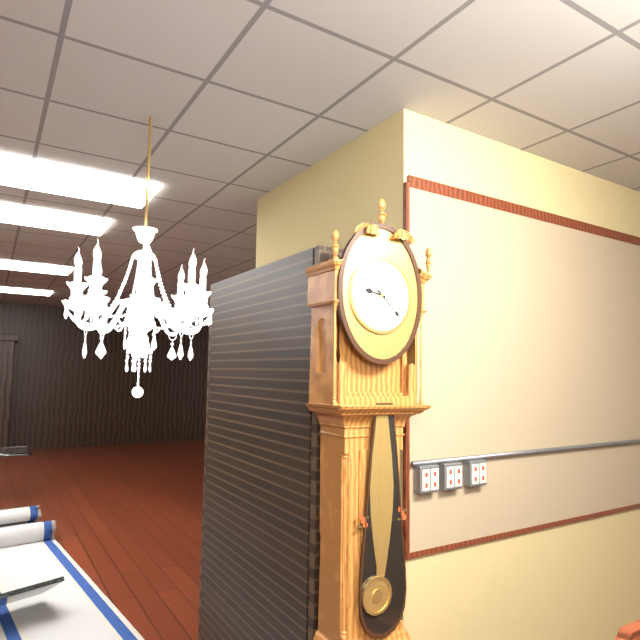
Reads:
{"hour": 9, "minute": 22}
